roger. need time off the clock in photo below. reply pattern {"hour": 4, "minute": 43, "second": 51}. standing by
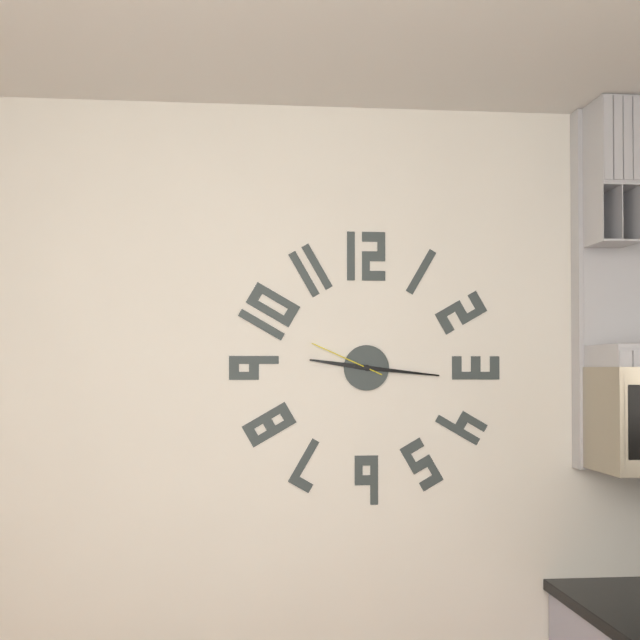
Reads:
{"hour": 9, "minute": 16, "second": 49}
